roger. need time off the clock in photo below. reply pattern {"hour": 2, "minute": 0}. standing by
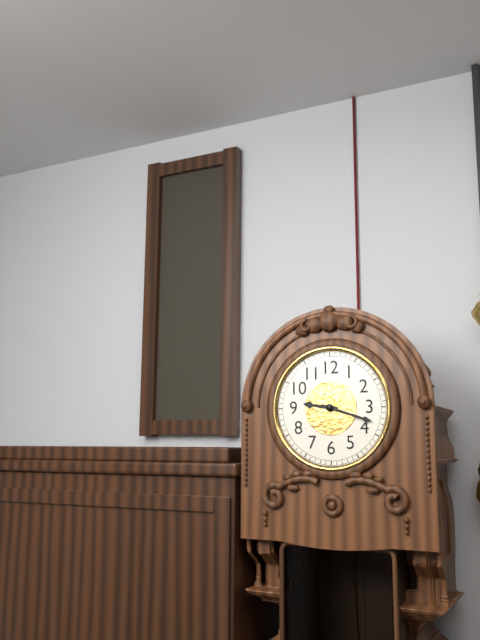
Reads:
{"hour": 9, "minute": 18}
